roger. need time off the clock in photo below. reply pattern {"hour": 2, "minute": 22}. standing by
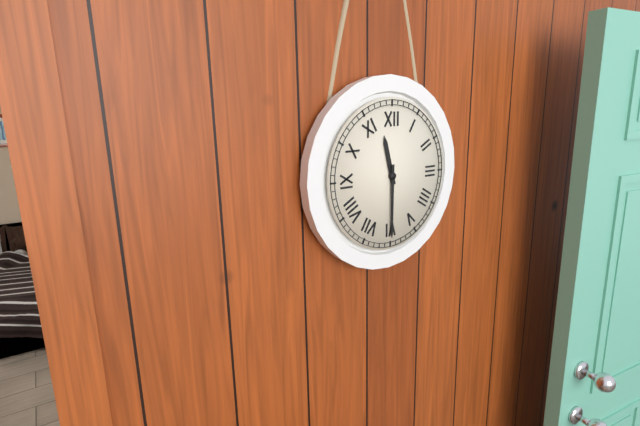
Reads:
{"hour": 11, "minute": 30}
